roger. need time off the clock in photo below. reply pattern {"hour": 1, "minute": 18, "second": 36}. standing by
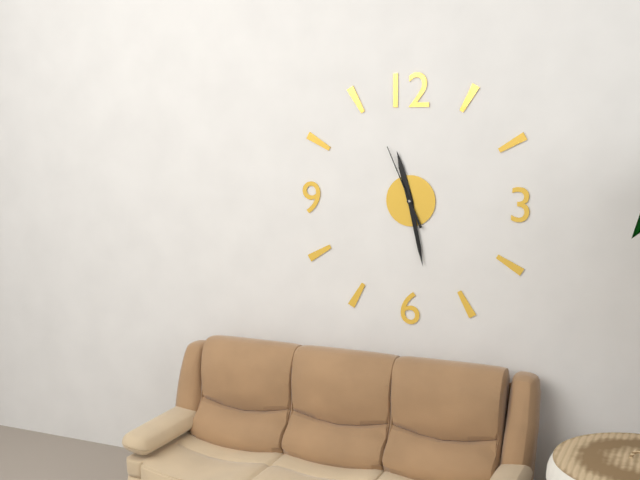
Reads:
{"hour": 11, "minute": 28, "second": 56}
